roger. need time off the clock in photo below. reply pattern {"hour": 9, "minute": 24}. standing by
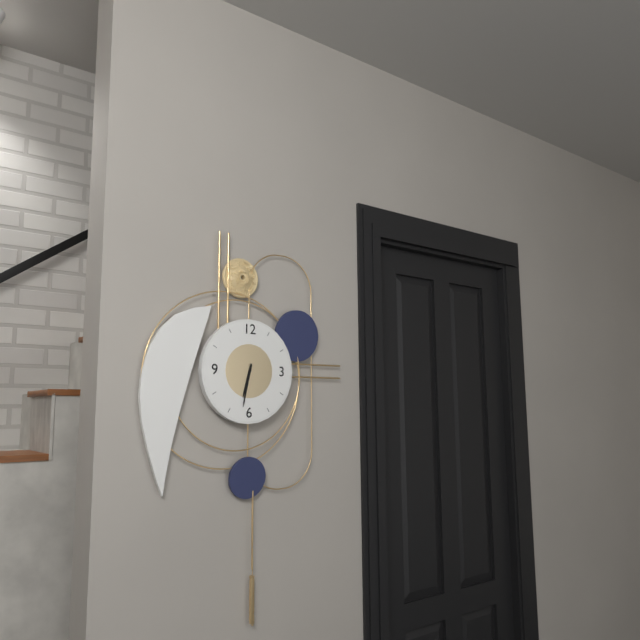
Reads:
{"hour": 6, "minute": 32}
